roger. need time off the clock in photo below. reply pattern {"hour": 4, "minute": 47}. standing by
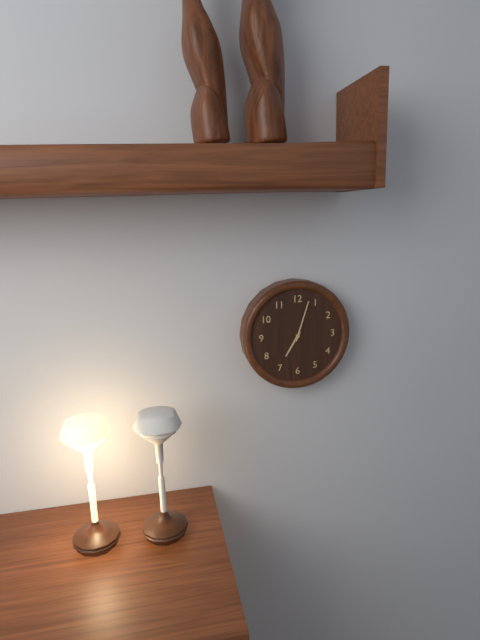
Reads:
{"hour": 7, "minute": 3}
